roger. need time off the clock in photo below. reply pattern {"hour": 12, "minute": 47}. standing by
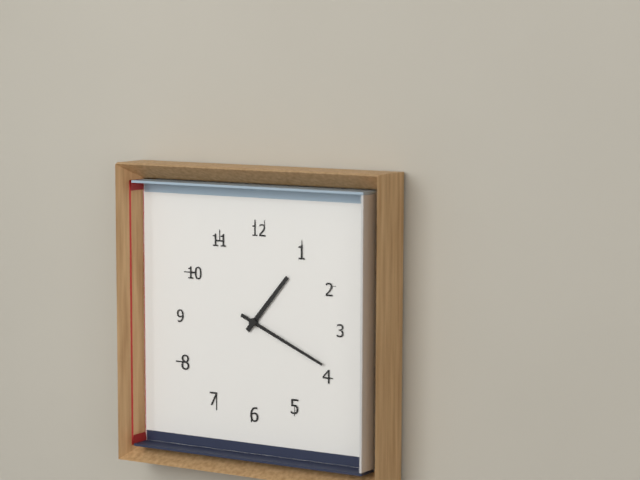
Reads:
{"hour": 1, "minute": 19}
